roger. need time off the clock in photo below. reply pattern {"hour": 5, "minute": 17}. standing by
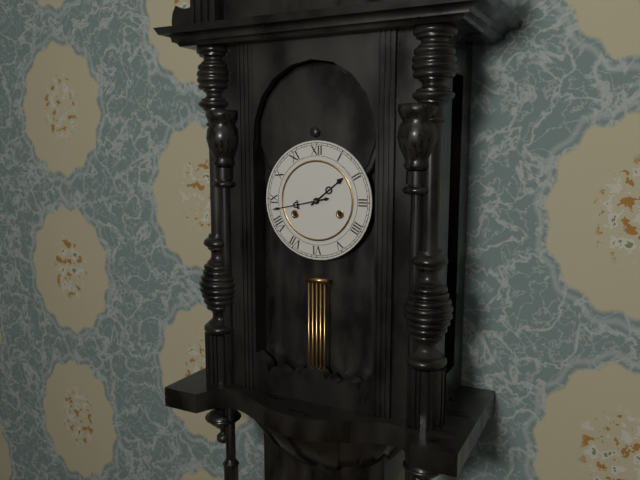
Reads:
{"hour": 1, "minute": 43}
